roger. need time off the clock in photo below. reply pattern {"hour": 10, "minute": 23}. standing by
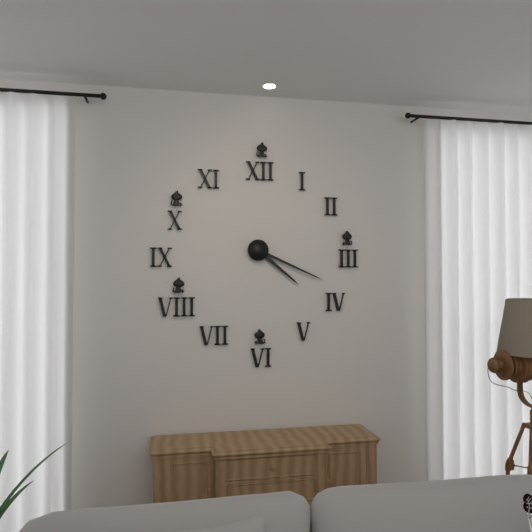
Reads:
{"hour": 4, "minute": 19}
